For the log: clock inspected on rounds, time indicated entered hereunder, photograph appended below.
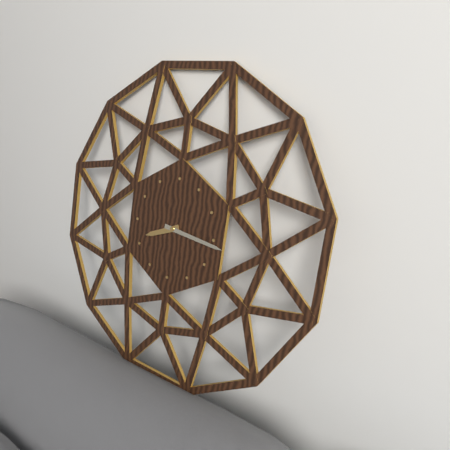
8:16
